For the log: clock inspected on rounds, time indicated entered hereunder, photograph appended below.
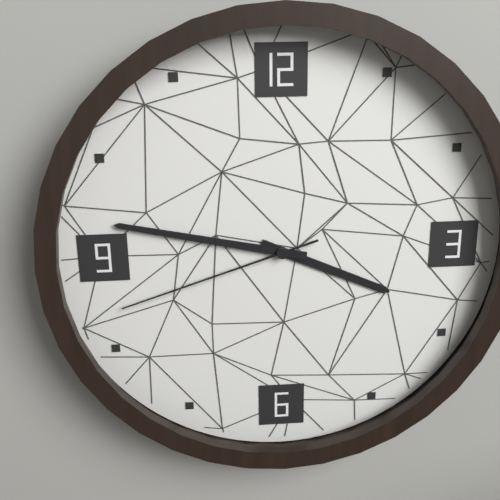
3:47:42
